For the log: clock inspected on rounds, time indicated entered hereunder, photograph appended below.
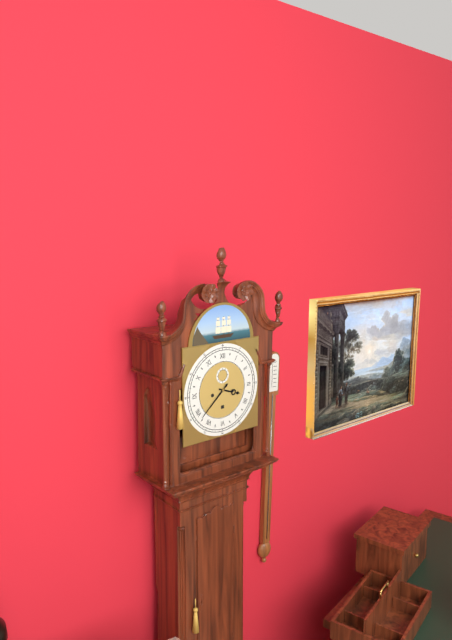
3:38
